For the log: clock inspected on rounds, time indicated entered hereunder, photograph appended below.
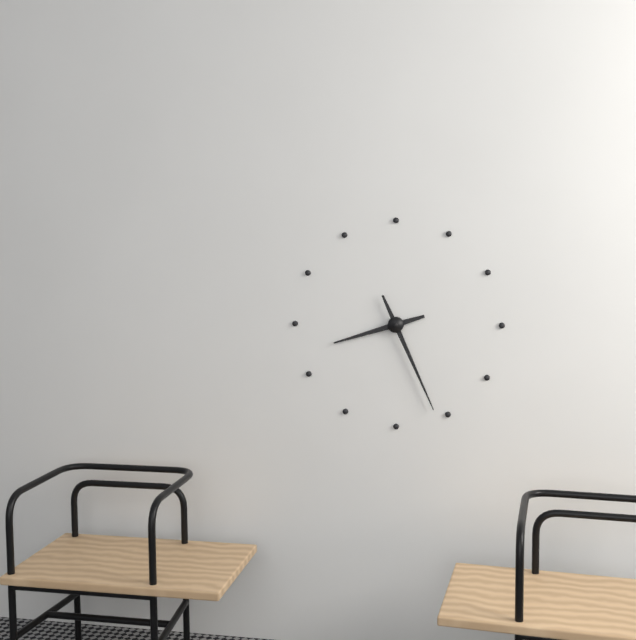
8:26
